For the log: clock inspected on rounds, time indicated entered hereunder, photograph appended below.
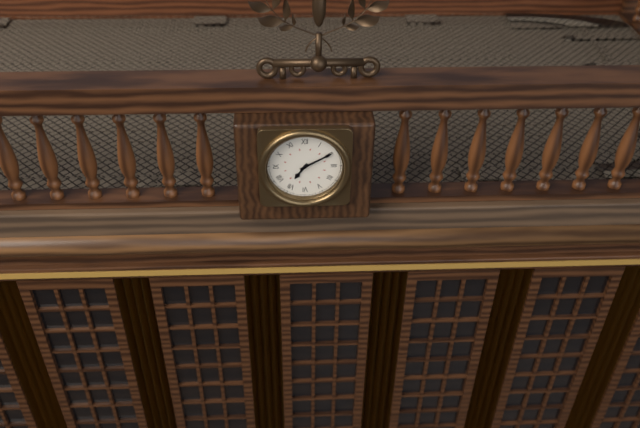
7:10
